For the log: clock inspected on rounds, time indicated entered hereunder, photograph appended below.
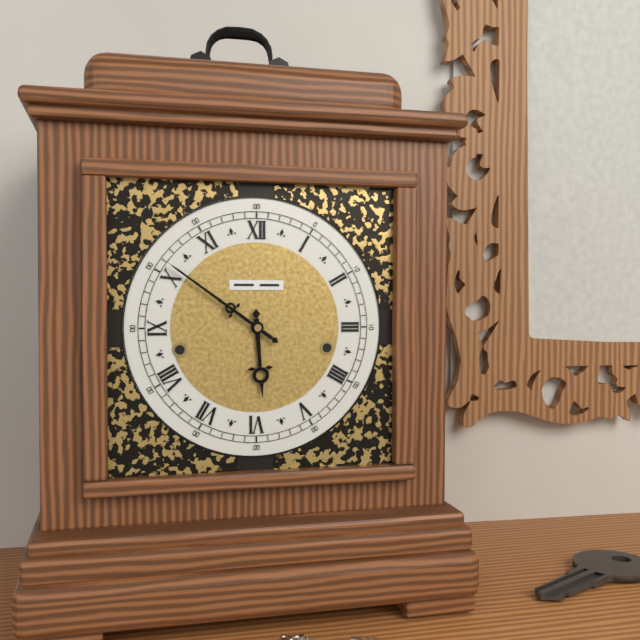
5:51
